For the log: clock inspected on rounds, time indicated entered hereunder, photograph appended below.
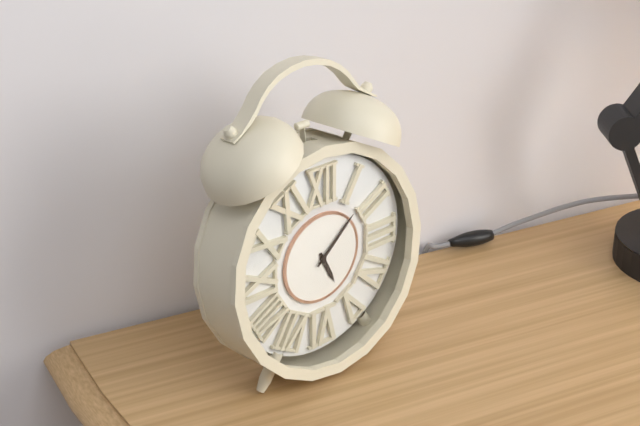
5:08
